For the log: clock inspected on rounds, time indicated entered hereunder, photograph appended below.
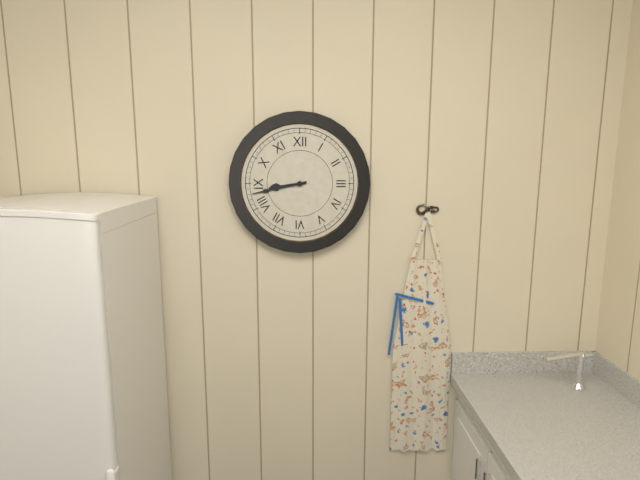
8:43
